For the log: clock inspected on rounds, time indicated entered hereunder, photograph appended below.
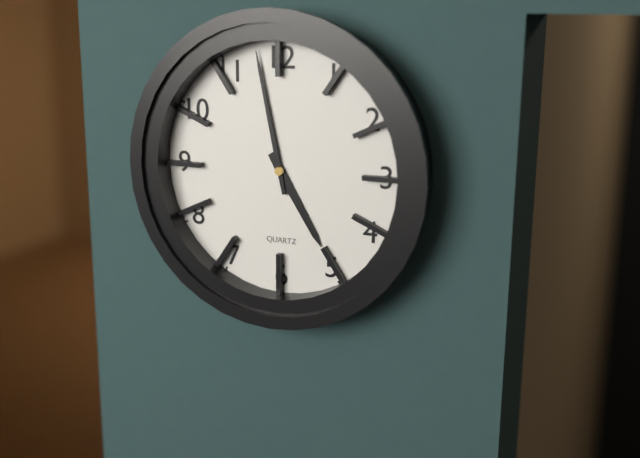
4:58
